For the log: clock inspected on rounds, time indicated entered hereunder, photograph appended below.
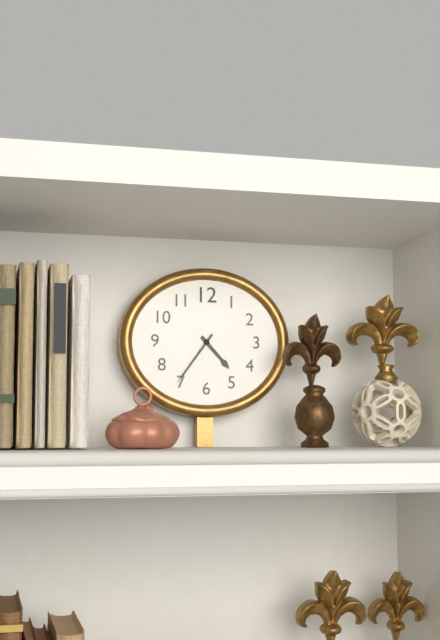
4:36
